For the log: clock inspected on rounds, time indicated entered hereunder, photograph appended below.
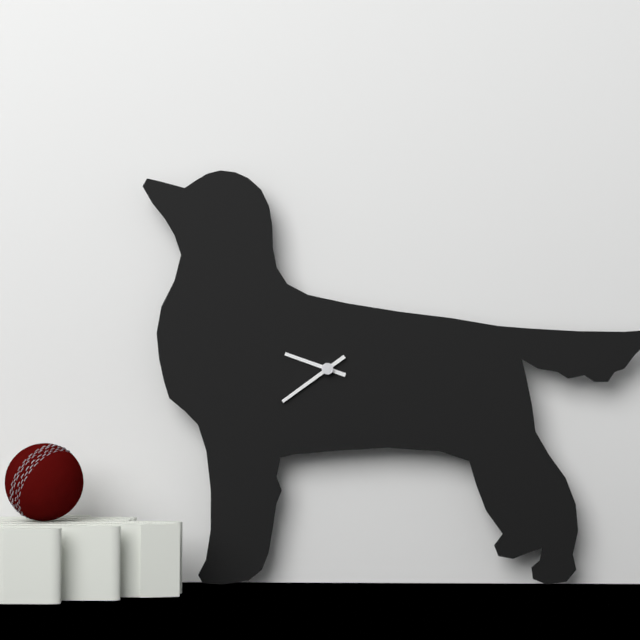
9:39
